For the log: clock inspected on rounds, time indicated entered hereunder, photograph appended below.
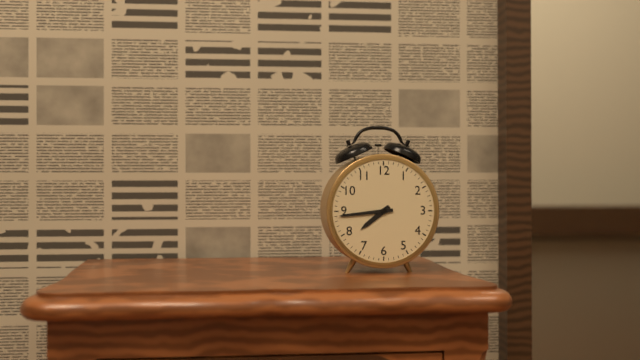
7:44
